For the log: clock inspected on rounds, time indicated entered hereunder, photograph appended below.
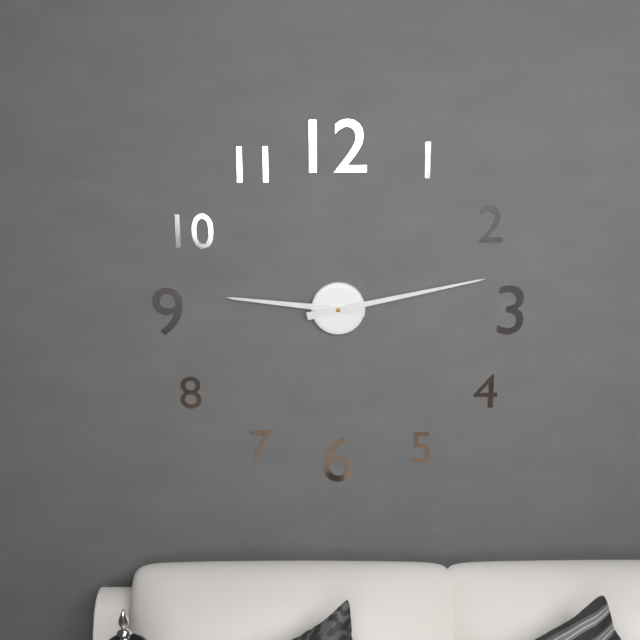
9:13
